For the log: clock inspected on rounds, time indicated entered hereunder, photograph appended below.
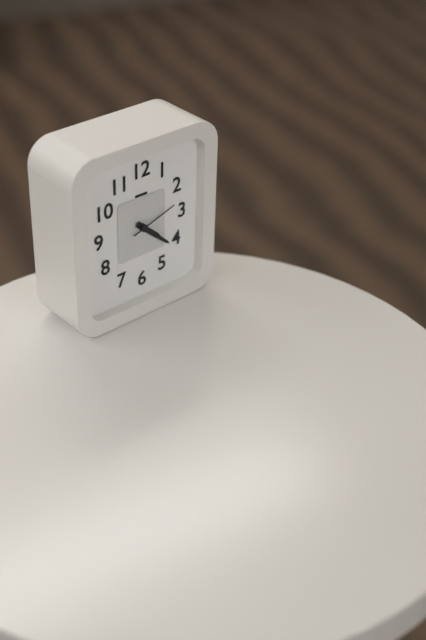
4:22
